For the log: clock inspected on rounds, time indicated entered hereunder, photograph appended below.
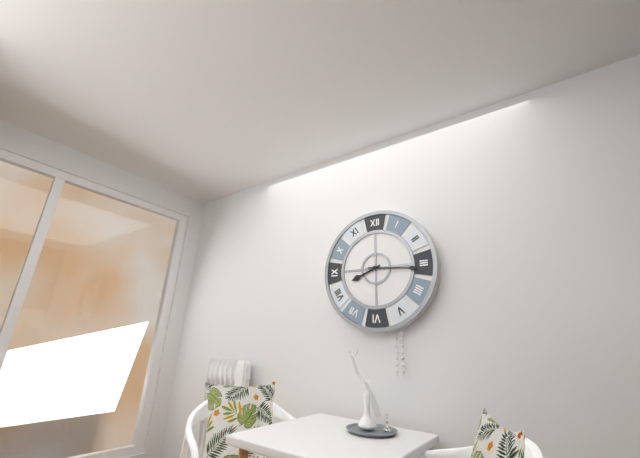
8:16
